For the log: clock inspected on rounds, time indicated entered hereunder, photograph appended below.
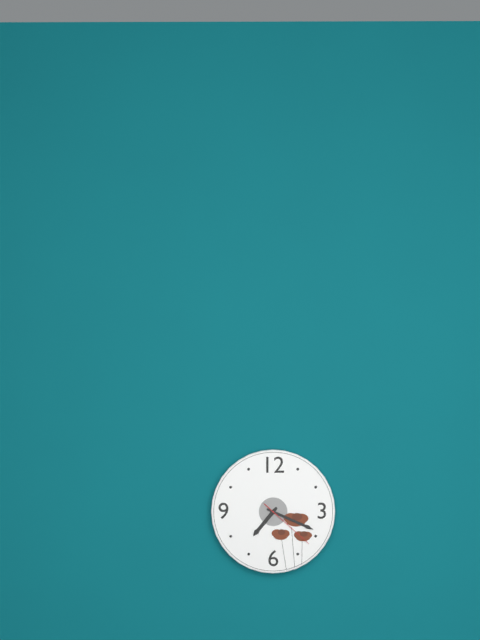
7:19:22
